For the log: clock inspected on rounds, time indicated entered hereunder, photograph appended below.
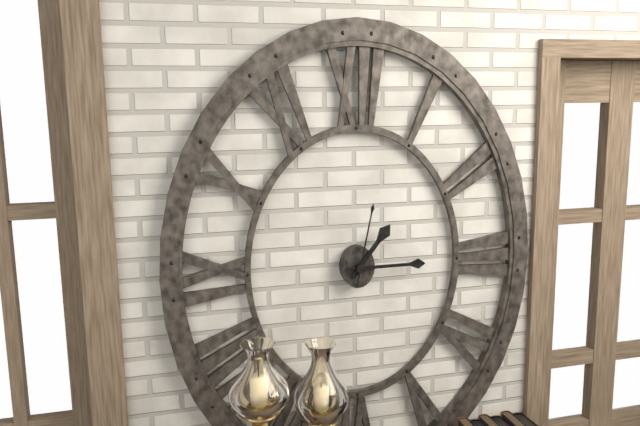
1:15:02
